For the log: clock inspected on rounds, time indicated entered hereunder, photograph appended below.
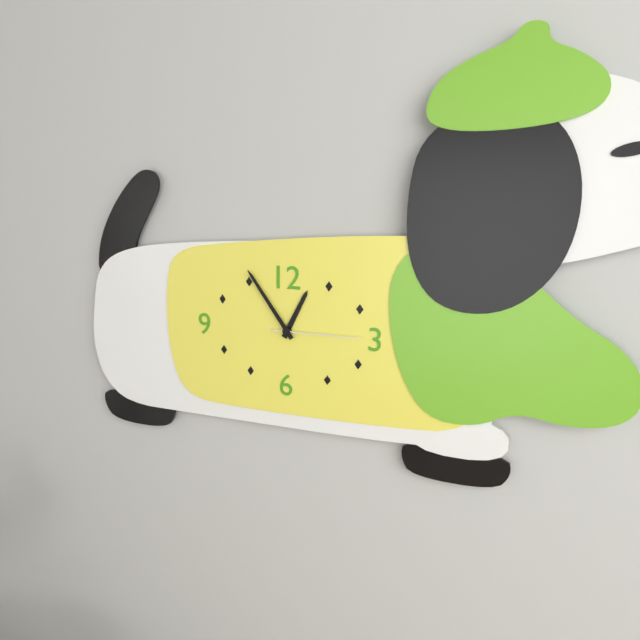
12:54:15
